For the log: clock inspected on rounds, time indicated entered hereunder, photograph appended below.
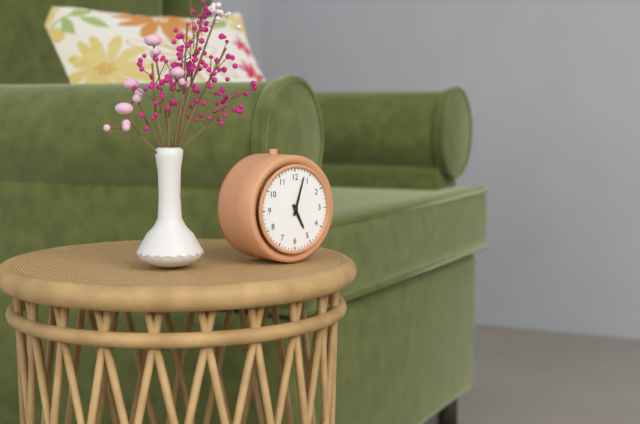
5:03
